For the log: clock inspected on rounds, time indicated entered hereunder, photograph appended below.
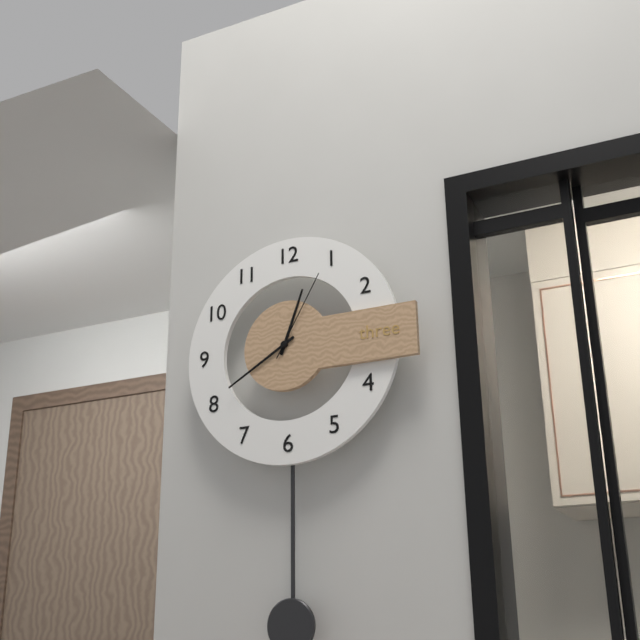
12:40:05
